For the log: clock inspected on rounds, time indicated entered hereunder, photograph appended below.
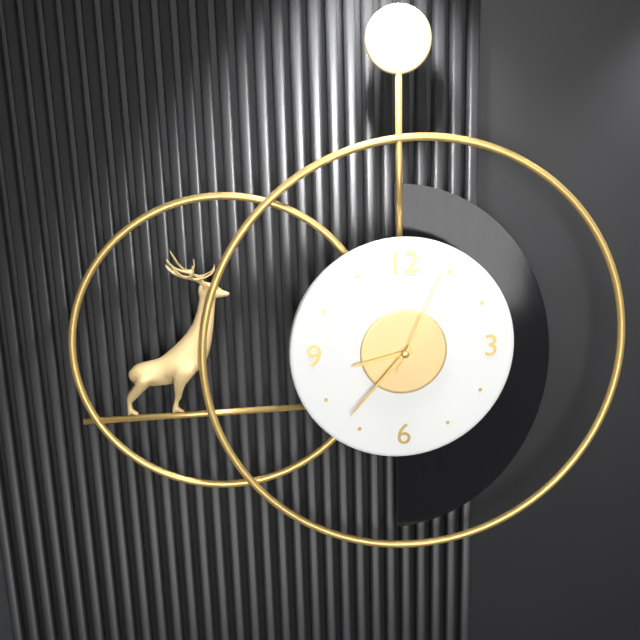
8:37:04
